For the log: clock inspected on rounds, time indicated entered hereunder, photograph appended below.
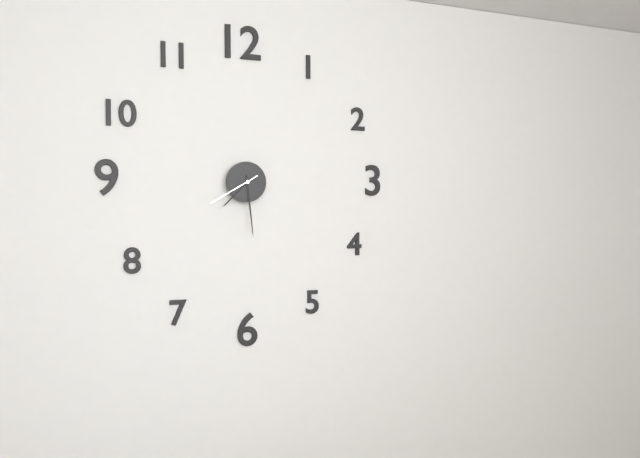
7:29:40
